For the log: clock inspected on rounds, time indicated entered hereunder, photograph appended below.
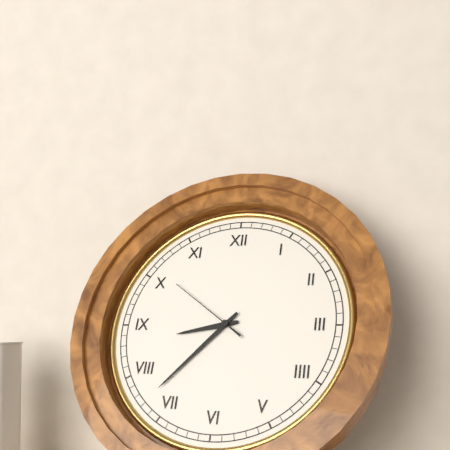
8:37:51
